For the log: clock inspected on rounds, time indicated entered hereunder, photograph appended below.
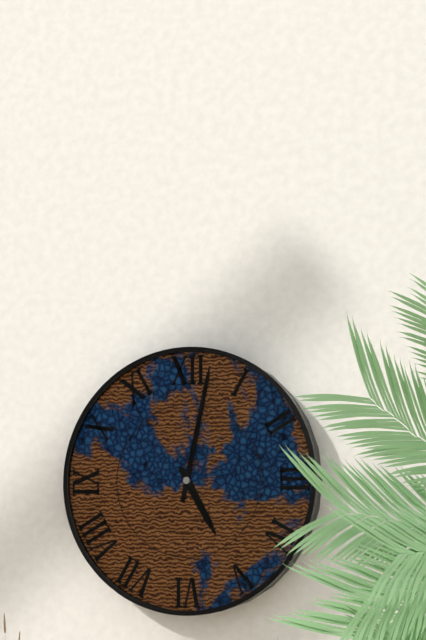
5:02
